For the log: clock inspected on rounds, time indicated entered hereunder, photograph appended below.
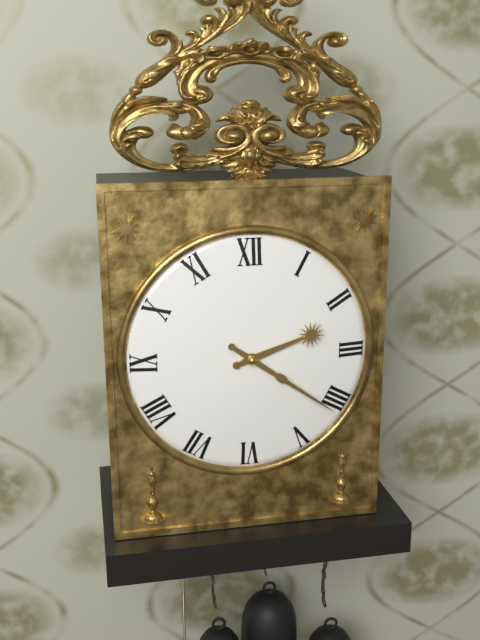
2:21
